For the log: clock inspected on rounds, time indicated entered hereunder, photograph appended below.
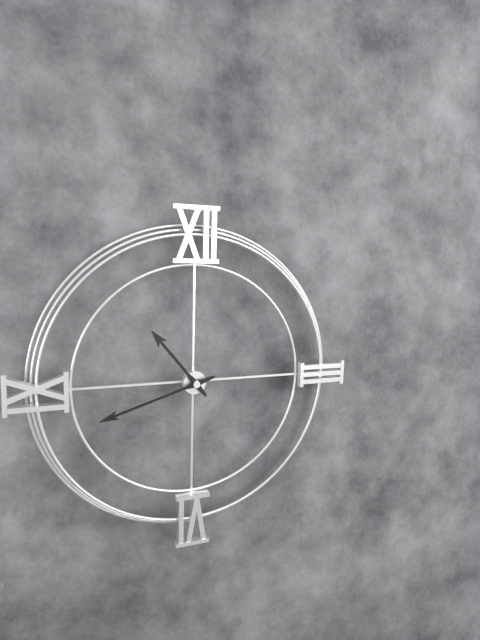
10:42
